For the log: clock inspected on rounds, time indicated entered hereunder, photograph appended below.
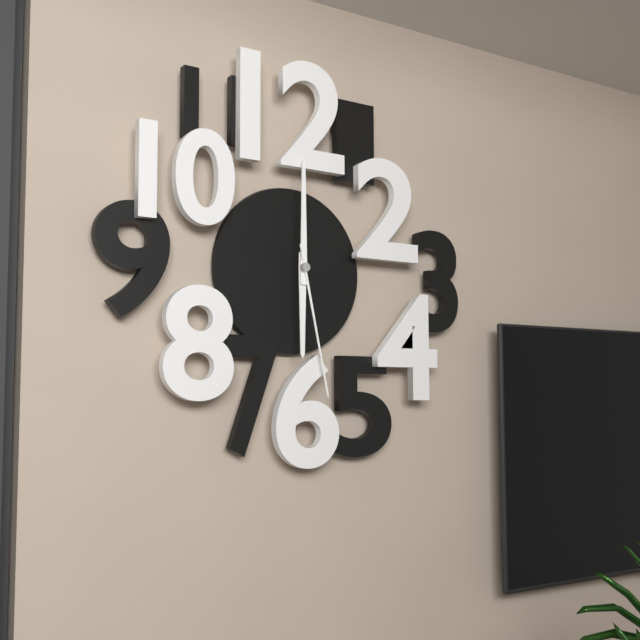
6:00:28
